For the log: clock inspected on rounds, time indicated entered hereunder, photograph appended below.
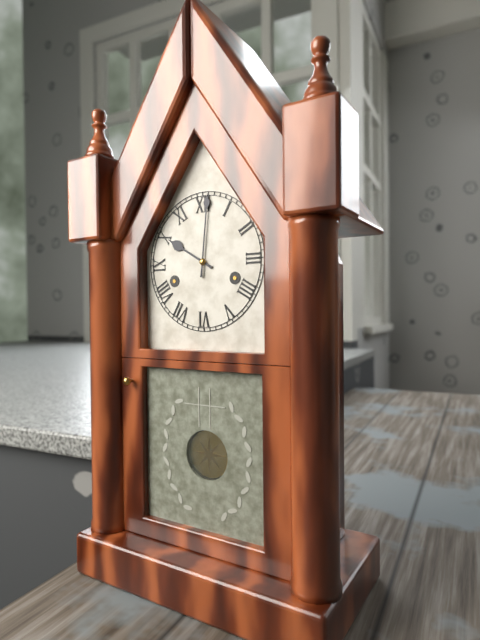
10:01
